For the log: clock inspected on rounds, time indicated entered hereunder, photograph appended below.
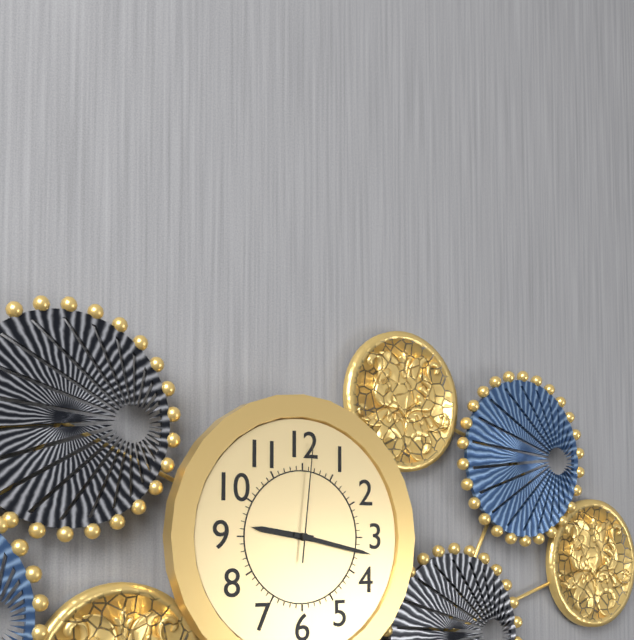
9:17:01
